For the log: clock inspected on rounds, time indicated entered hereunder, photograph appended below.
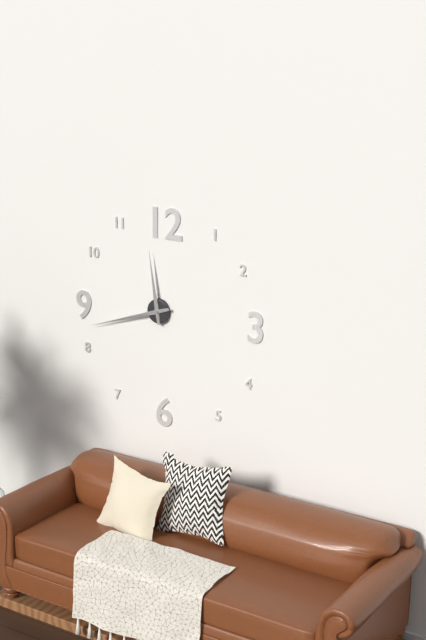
11:42
